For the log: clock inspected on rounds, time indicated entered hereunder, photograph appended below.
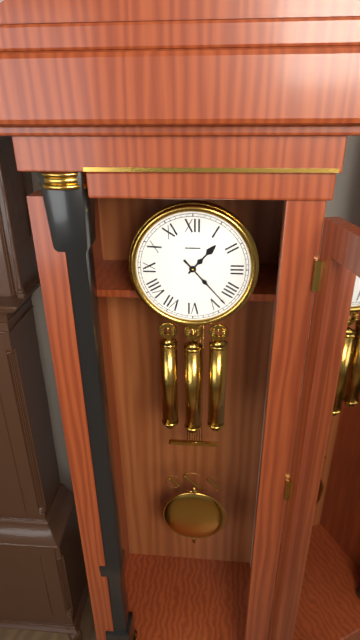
1:23
